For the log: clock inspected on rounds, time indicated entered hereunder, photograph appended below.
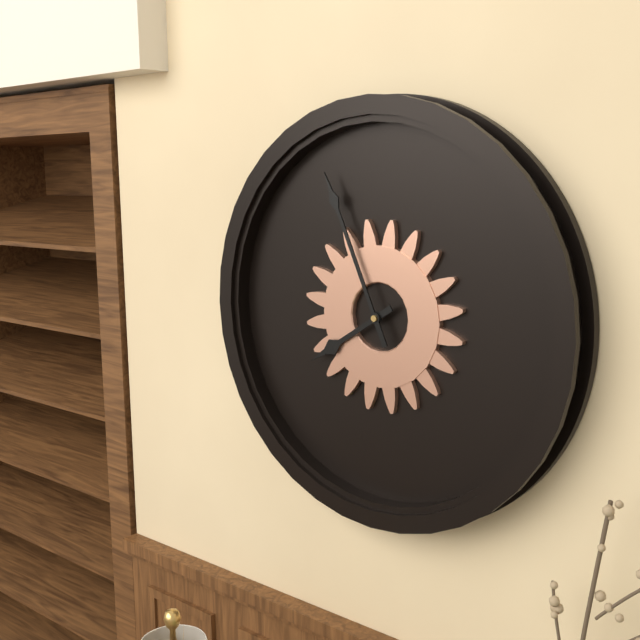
7:56
